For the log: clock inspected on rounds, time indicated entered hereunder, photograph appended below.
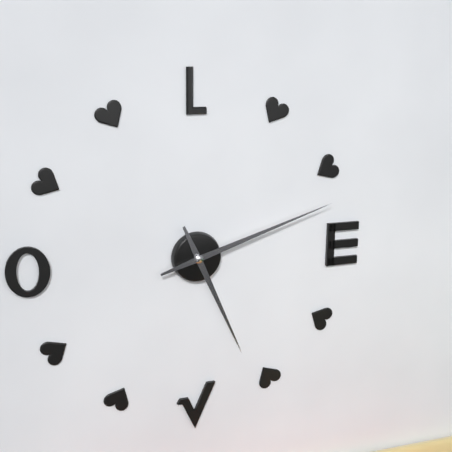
5:12
